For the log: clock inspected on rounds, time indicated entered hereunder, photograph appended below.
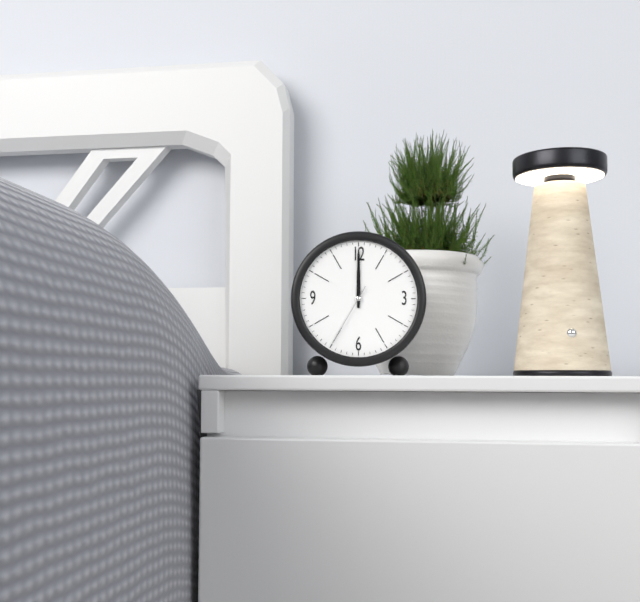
12:00:35
